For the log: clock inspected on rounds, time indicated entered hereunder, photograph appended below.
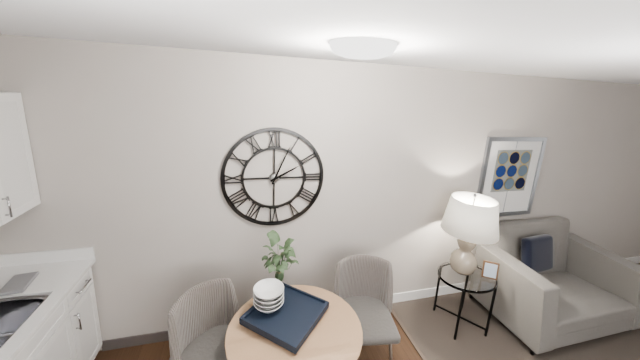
2:04
